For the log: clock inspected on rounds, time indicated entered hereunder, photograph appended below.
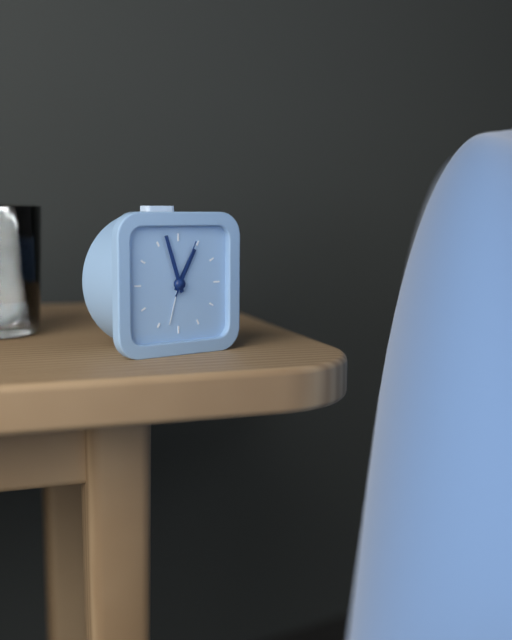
12:57:04
